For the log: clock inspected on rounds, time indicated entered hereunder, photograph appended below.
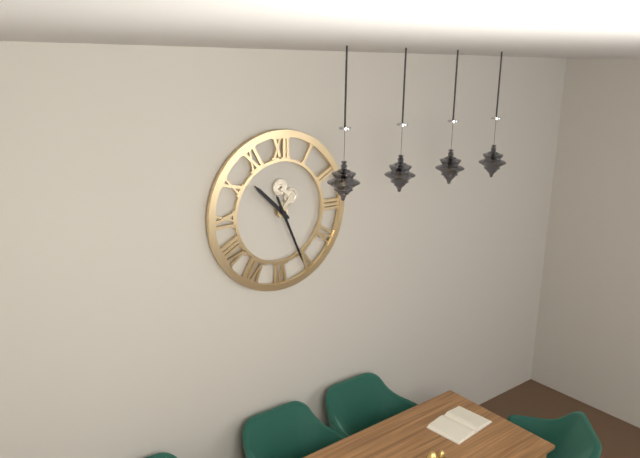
10:26
